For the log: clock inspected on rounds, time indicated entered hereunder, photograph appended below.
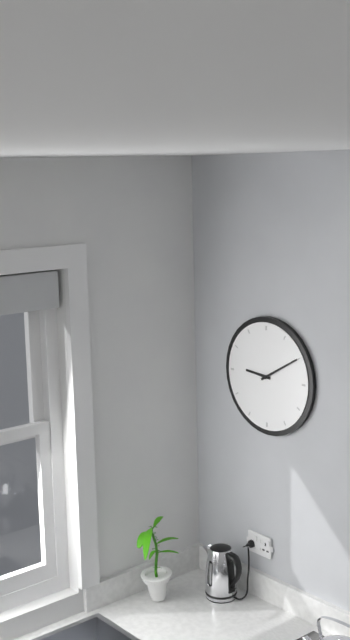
9:10
